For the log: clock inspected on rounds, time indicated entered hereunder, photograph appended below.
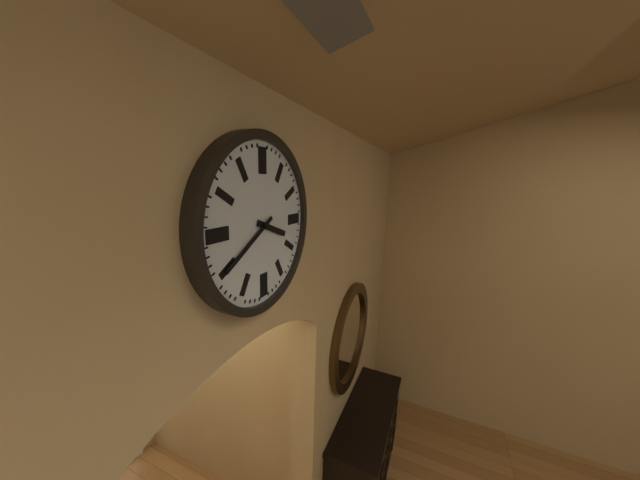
3:40
